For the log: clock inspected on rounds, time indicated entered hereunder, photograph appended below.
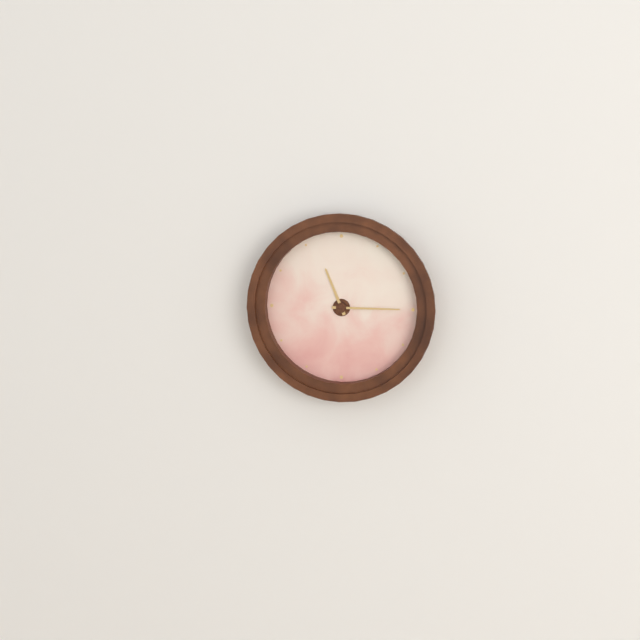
11:15
